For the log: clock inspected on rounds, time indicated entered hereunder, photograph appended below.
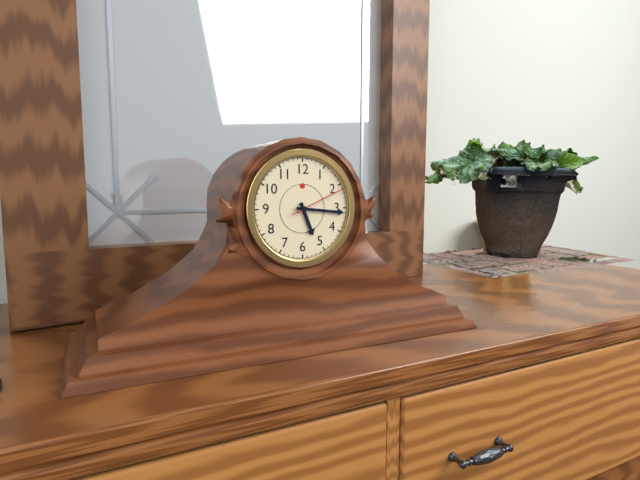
5:16:11
